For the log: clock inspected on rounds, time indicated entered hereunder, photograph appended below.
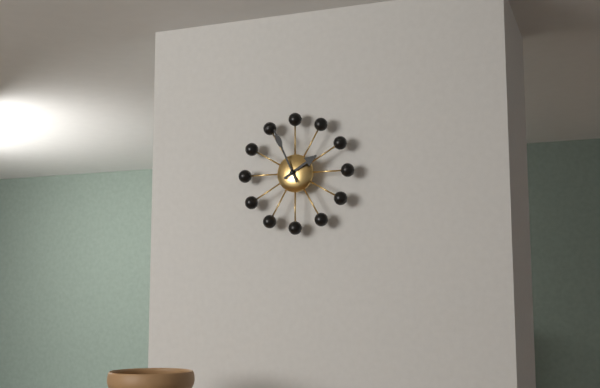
1:56
